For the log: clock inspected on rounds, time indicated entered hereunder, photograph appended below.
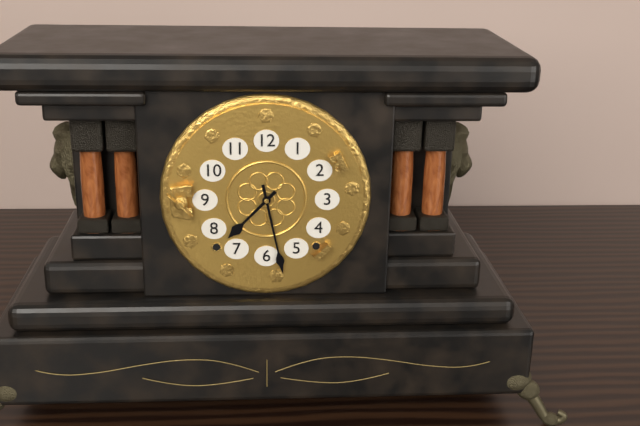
7:28
